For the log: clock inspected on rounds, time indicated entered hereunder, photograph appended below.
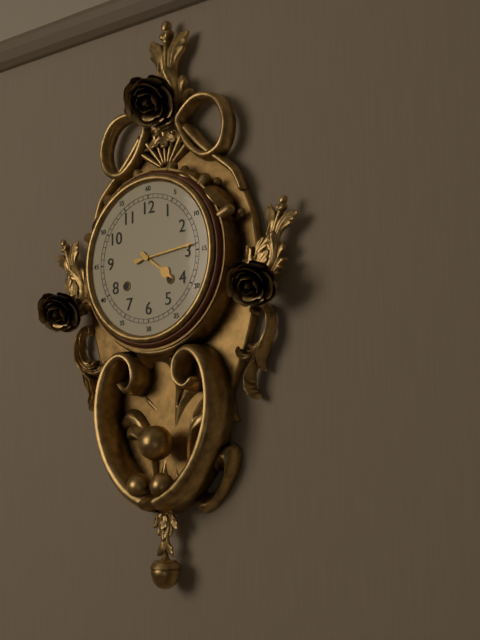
4:14
